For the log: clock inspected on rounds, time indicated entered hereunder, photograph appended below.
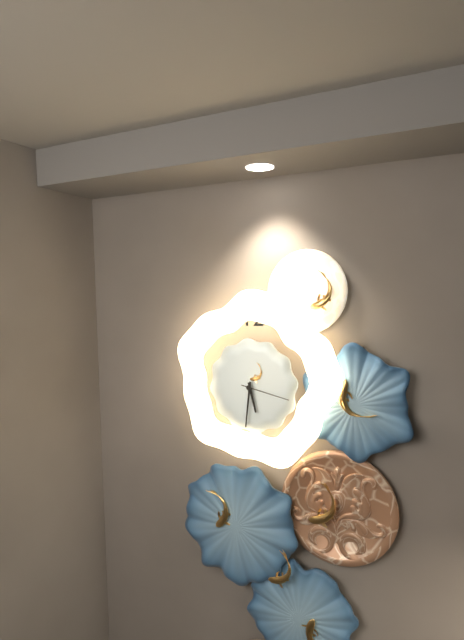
5:31:17
